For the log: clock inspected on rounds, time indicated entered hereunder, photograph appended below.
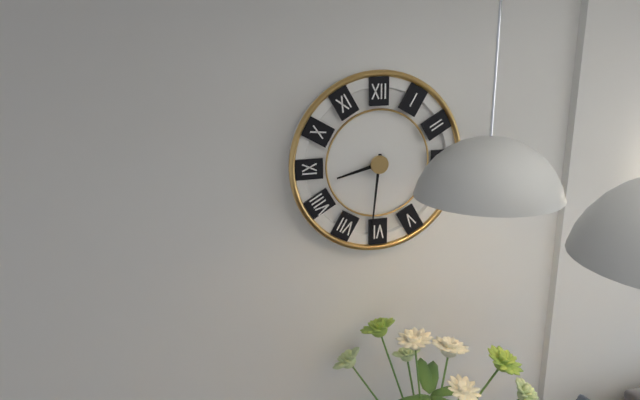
8:31
